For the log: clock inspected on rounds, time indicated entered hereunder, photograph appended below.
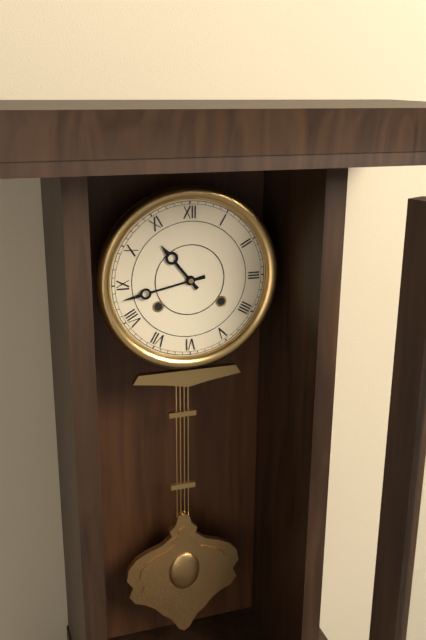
10:43
